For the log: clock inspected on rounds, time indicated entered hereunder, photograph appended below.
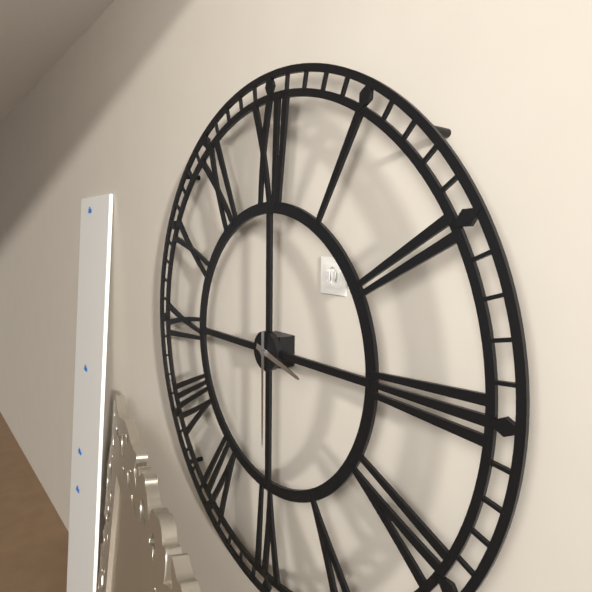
3:30
